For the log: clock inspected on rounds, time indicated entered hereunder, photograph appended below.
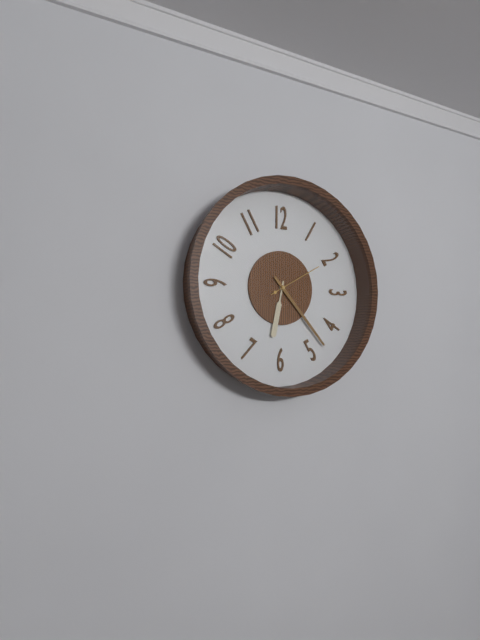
6:23:10
